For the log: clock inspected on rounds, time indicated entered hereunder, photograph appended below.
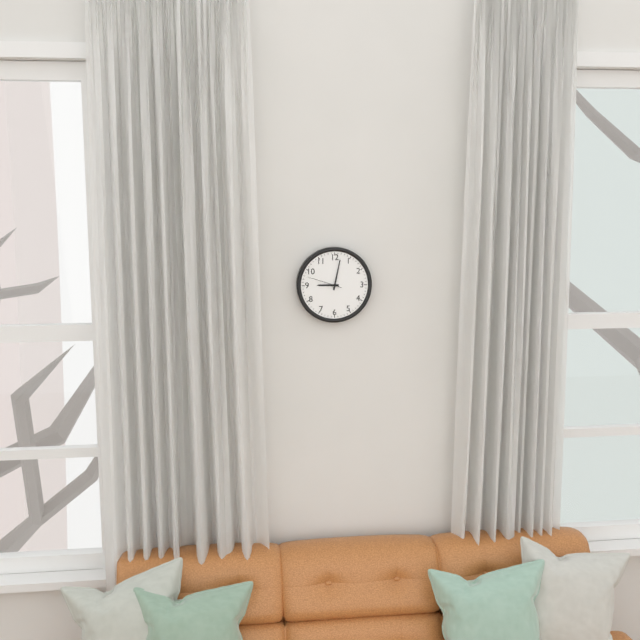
9:02
